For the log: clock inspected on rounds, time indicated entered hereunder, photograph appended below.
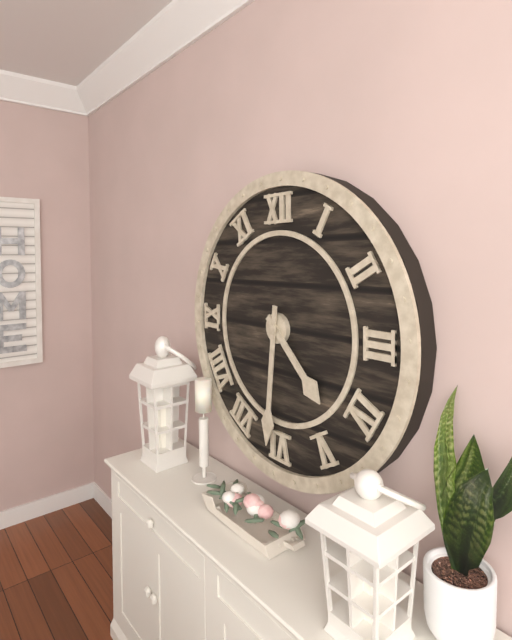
4:31
